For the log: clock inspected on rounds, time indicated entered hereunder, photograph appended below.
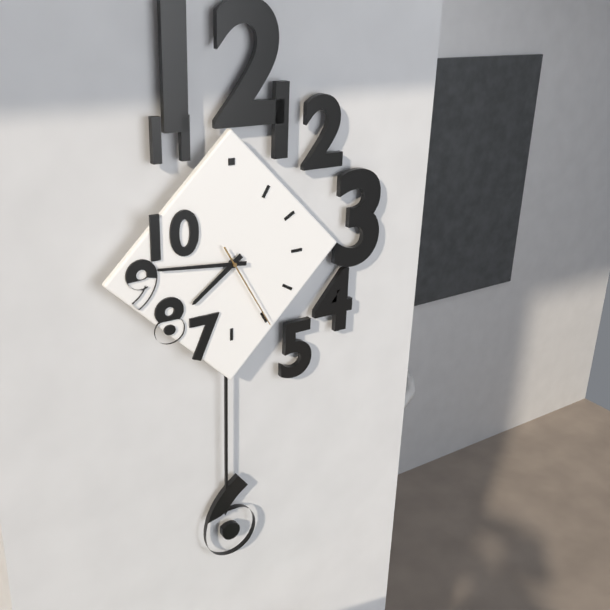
7:46:25
